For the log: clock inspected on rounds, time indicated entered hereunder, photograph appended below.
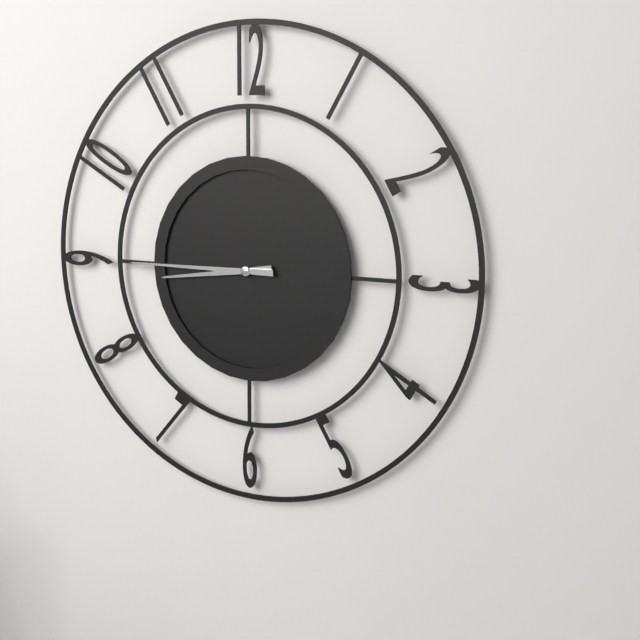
8:45
